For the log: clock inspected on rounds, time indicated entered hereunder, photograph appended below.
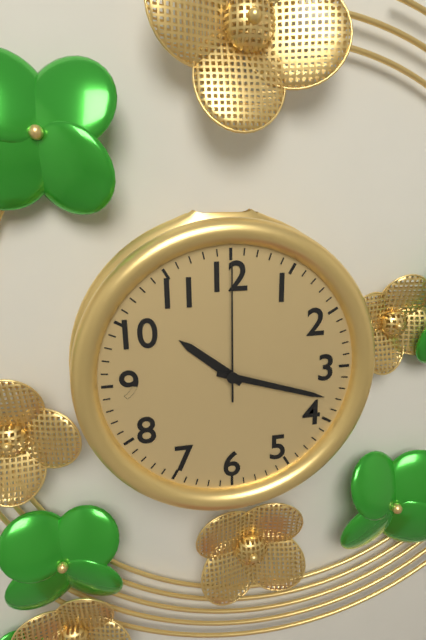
10:18:00
